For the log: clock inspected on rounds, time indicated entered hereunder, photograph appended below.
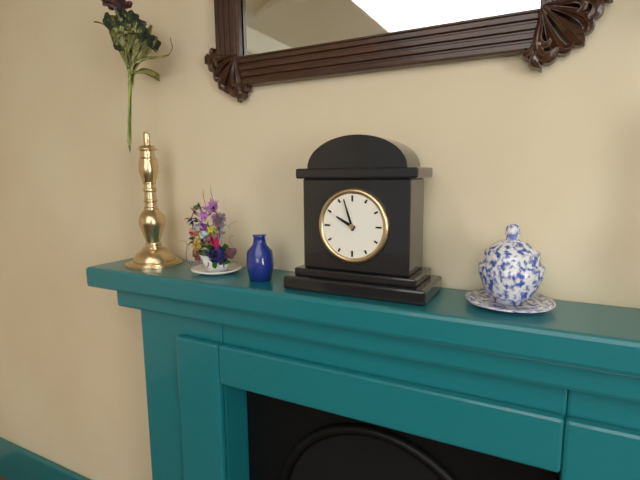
9:57
